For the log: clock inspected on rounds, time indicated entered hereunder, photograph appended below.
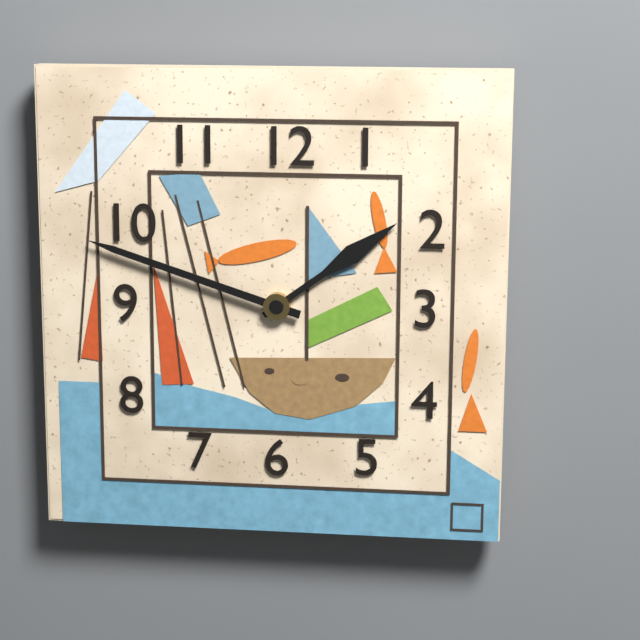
1:48
